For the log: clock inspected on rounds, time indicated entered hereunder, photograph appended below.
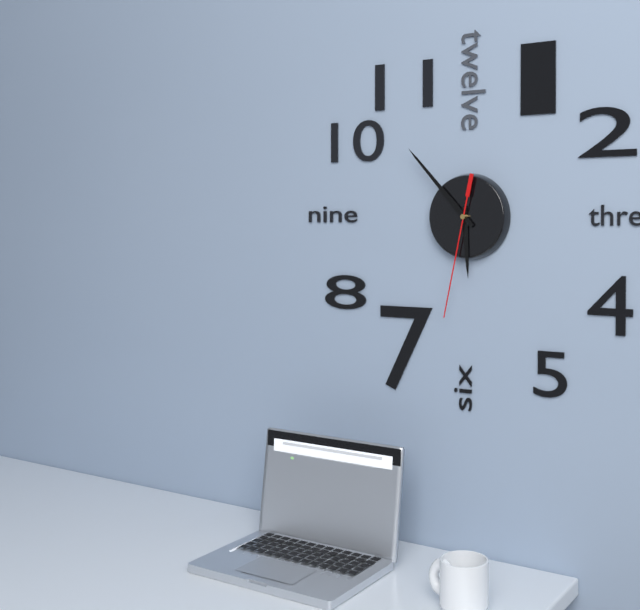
5:53:32
